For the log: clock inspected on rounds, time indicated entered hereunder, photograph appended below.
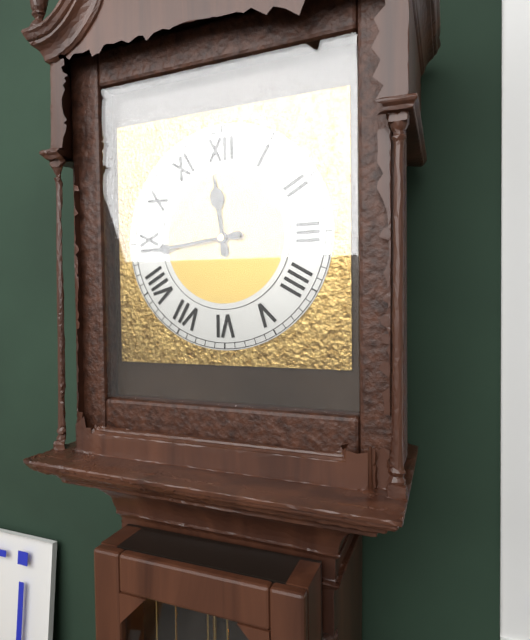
11:44
